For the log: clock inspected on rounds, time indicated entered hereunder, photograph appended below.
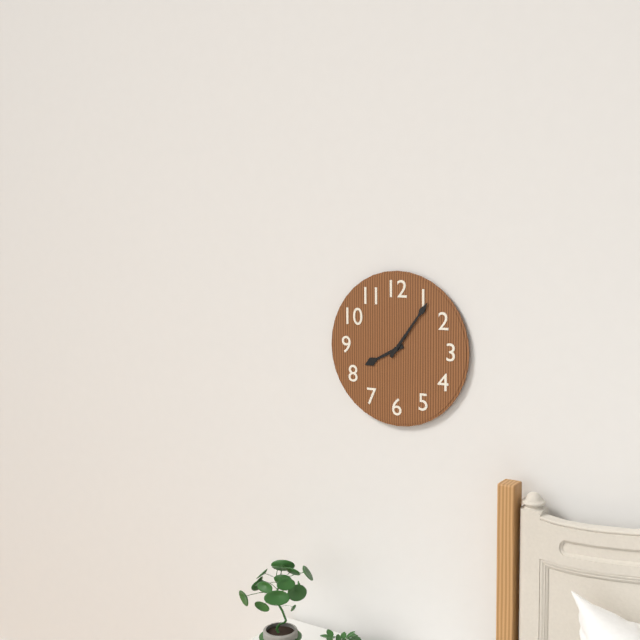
8:06
